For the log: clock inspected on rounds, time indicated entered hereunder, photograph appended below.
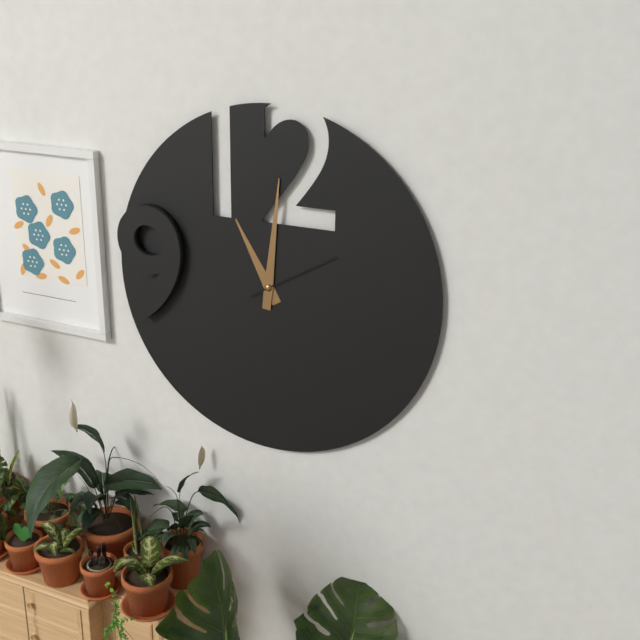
11:01:10
